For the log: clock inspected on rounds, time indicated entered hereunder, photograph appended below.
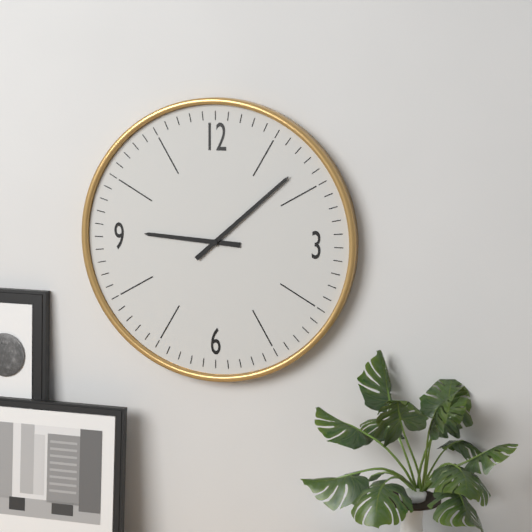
9:08
